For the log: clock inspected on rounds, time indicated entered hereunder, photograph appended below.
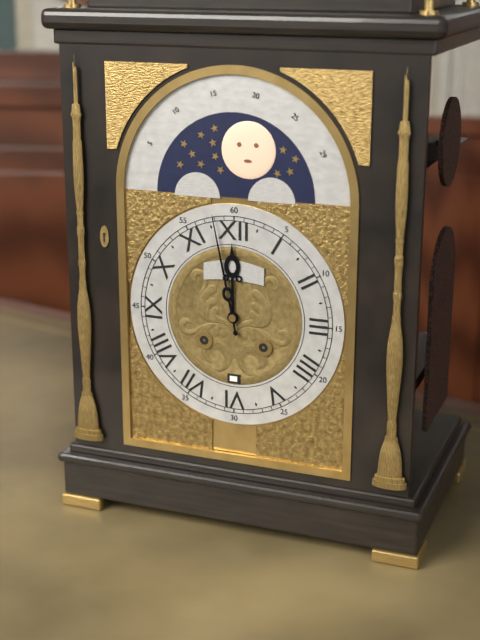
11:58
